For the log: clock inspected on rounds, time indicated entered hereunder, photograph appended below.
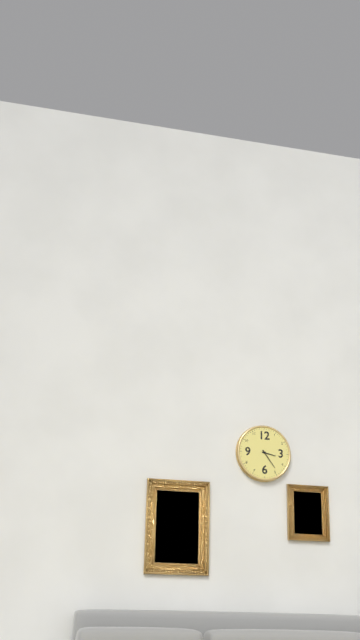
3:24
